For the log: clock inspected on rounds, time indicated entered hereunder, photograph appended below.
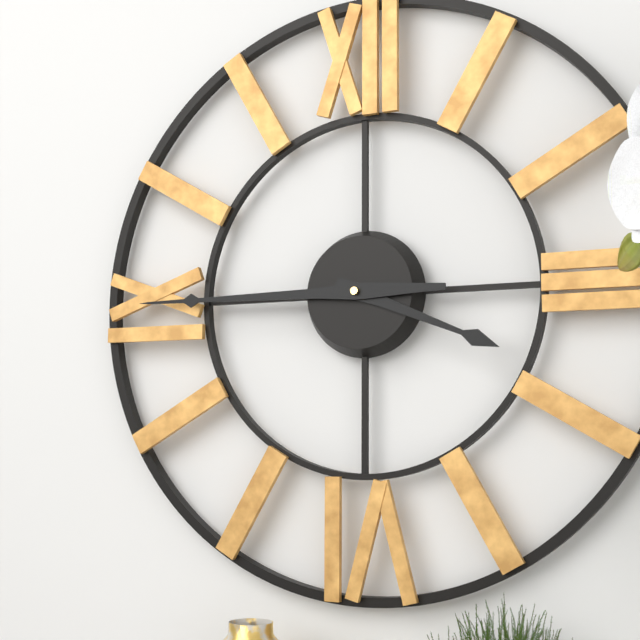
3:45
